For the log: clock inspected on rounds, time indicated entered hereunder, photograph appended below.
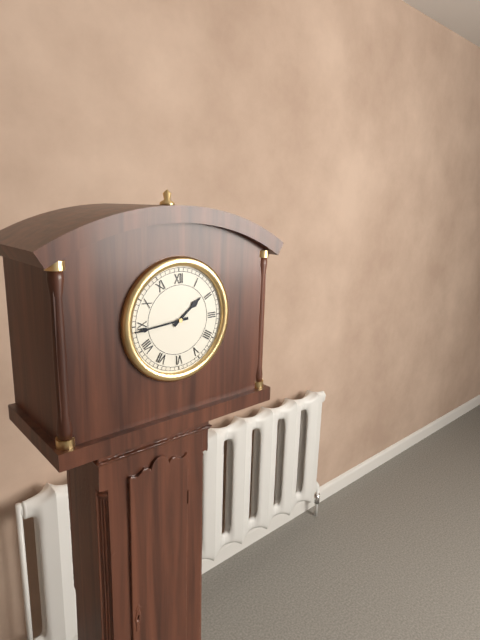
1:44
